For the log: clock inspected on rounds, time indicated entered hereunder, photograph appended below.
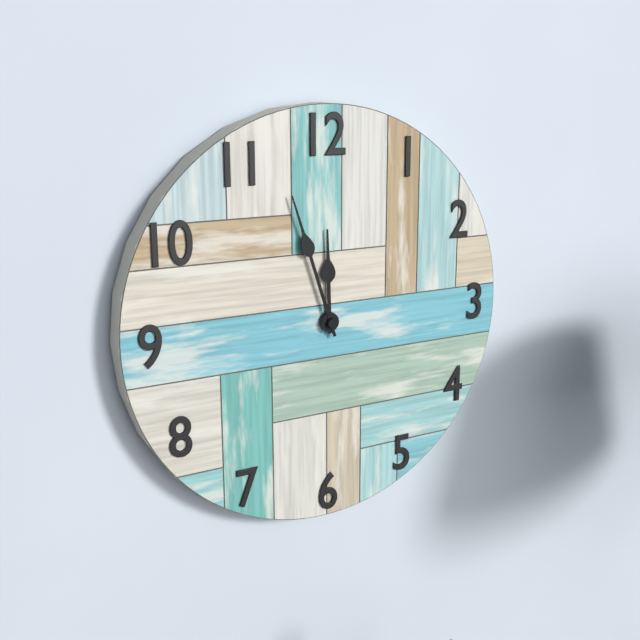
11:57
